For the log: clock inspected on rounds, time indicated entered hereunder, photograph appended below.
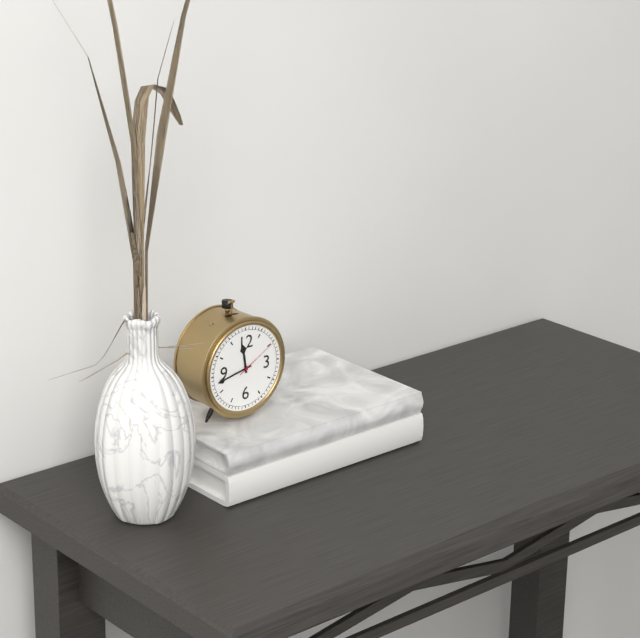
11:43
